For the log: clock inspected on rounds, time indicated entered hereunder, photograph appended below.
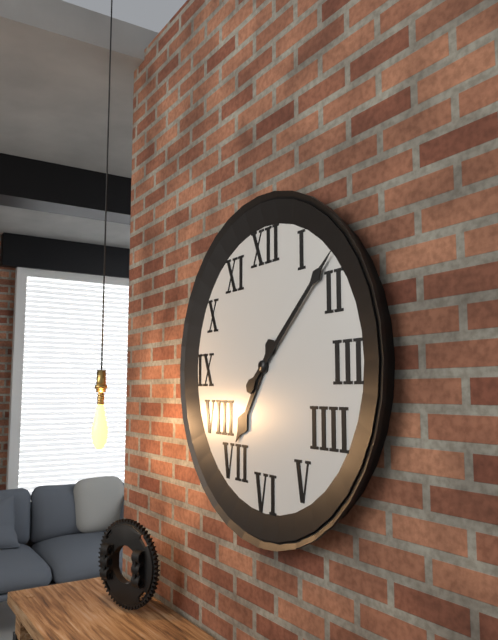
7:08
